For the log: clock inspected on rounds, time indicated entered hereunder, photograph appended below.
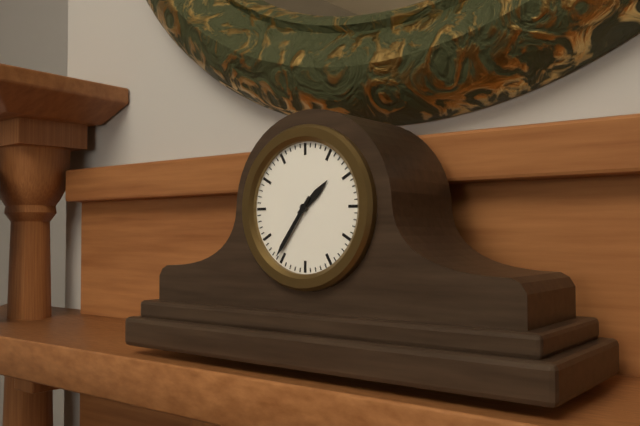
1:36
